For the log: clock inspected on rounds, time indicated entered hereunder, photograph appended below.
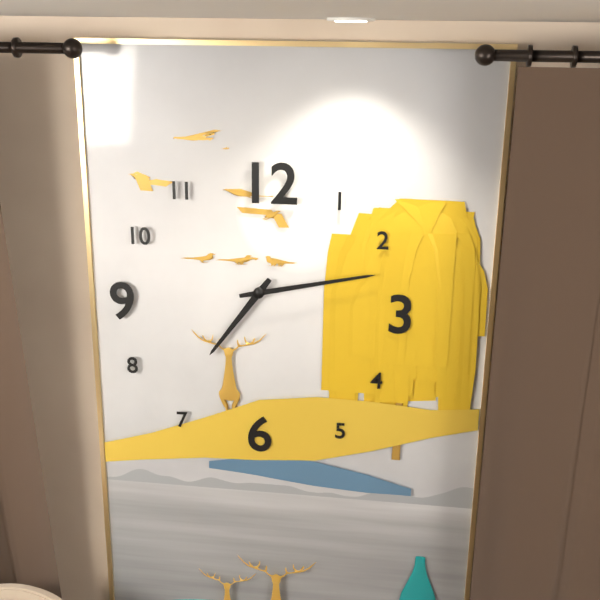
7:13
